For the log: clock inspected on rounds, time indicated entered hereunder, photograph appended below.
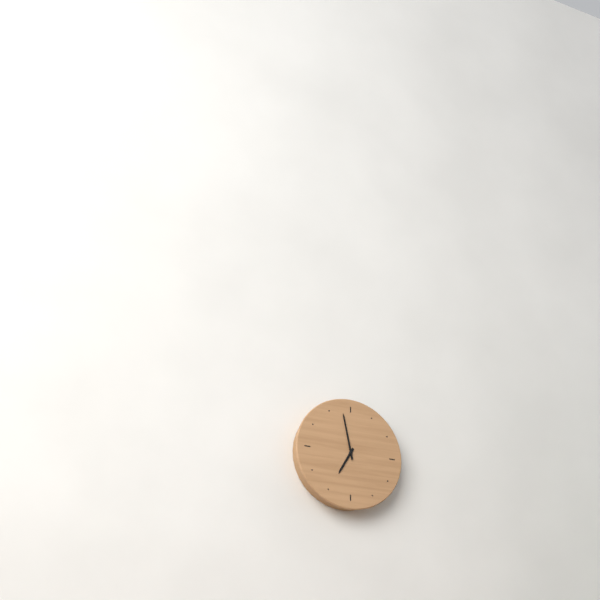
6:58
